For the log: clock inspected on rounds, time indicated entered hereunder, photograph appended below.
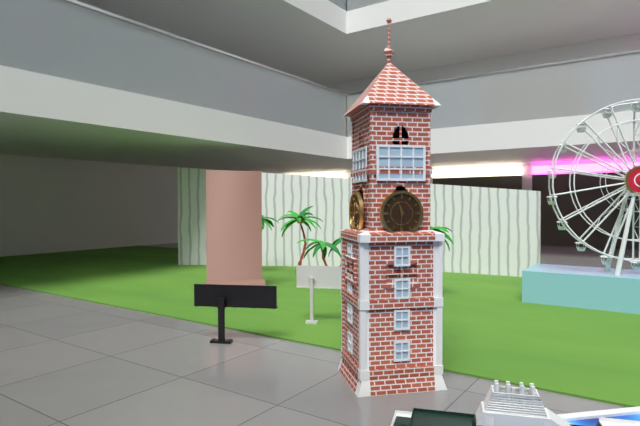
11:31
